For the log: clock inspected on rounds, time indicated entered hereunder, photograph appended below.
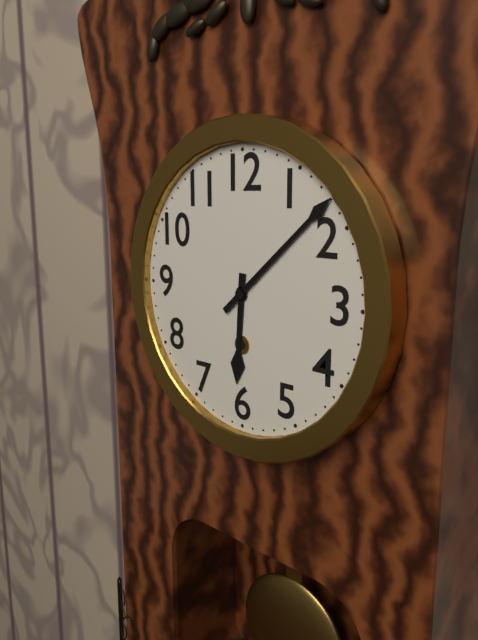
6:08
